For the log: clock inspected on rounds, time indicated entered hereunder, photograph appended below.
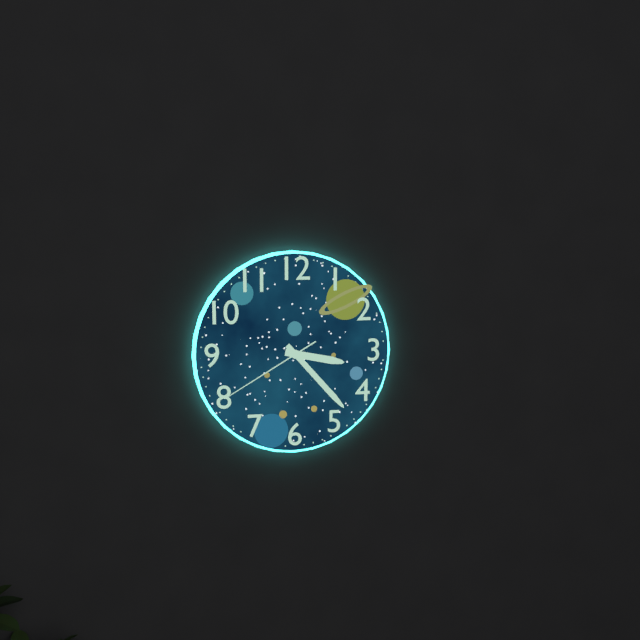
3:23:40
